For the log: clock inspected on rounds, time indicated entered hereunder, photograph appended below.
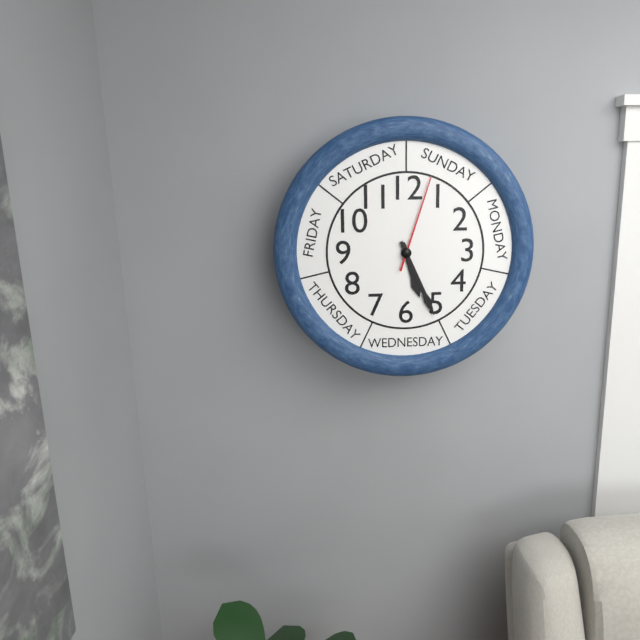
5:26:03
